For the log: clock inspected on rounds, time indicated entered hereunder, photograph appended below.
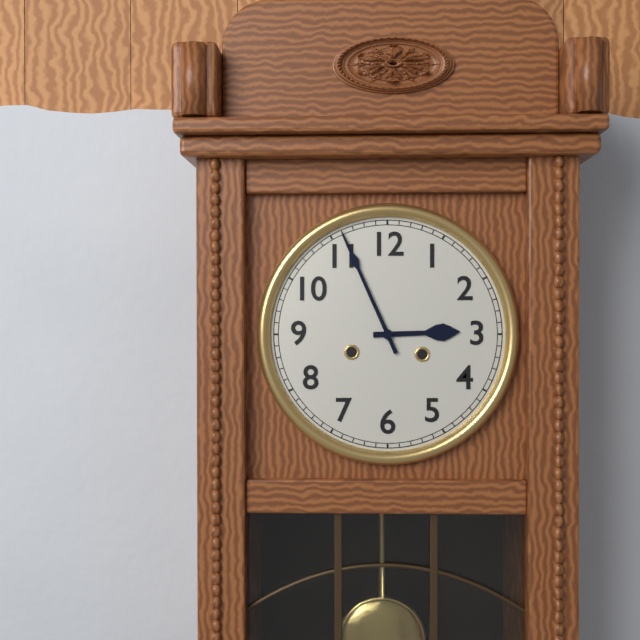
2:56
